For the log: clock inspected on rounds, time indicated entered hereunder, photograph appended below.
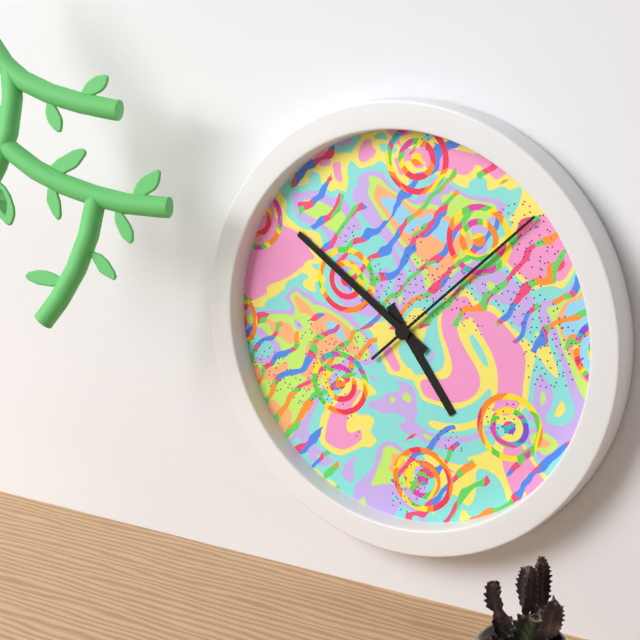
4:51:08
